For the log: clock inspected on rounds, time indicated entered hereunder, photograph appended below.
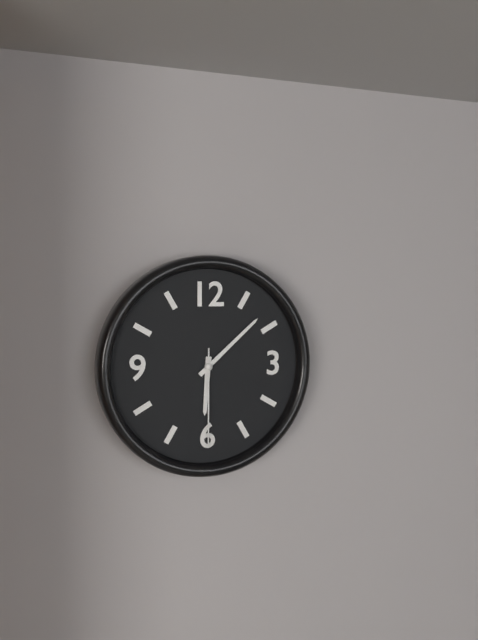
6:08:30
